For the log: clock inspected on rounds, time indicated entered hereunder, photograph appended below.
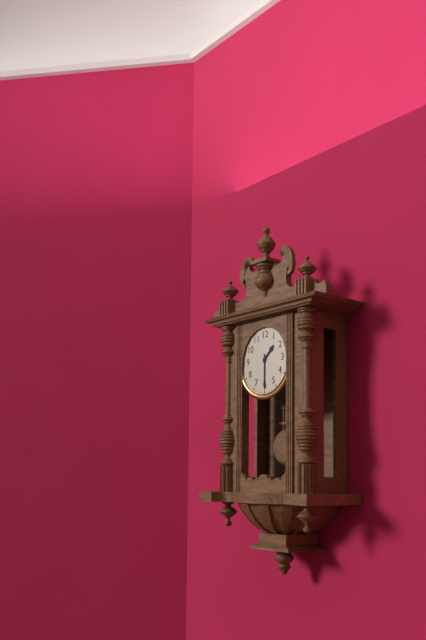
1:30
